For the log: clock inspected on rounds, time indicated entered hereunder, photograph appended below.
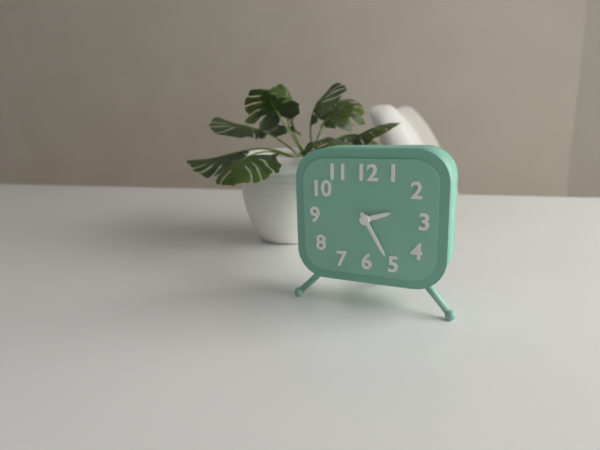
2:25
